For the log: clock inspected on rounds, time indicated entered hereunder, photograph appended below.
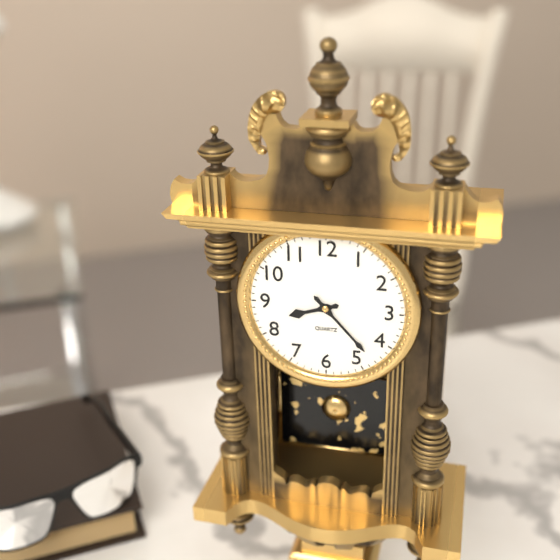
8:23
